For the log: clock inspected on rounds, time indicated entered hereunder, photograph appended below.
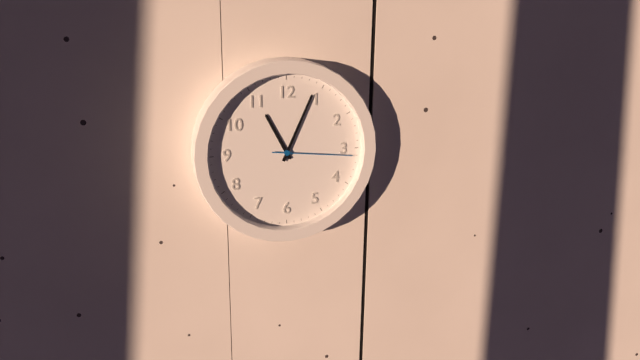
11:04:16
